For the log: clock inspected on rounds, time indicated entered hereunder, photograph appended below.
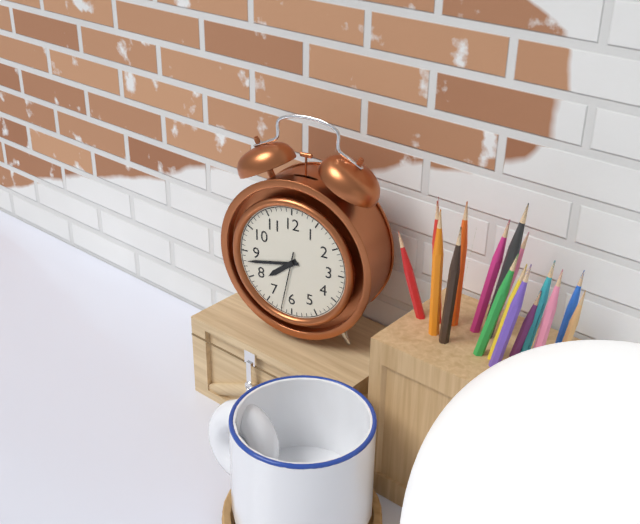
7:43:32
